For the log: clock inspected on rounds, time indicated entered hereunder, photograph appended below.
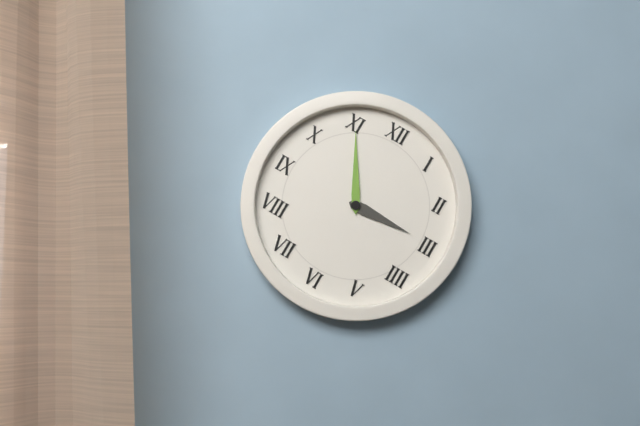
2:55
